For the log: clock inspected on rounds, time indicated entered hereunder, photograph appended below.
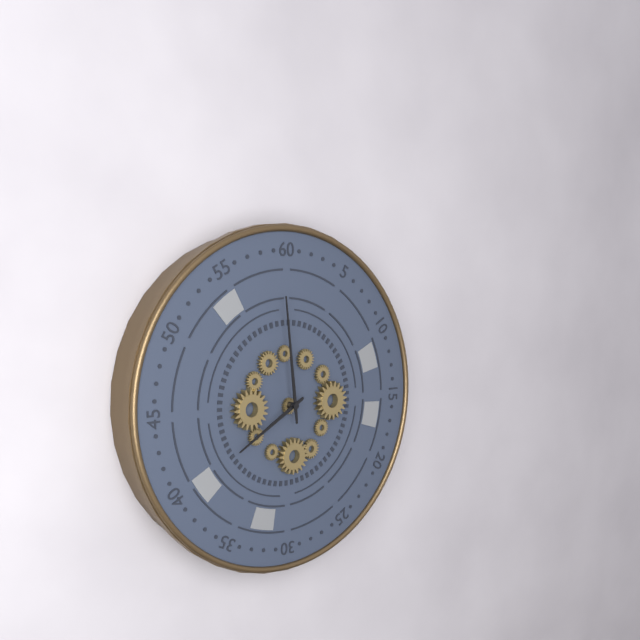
7:59
